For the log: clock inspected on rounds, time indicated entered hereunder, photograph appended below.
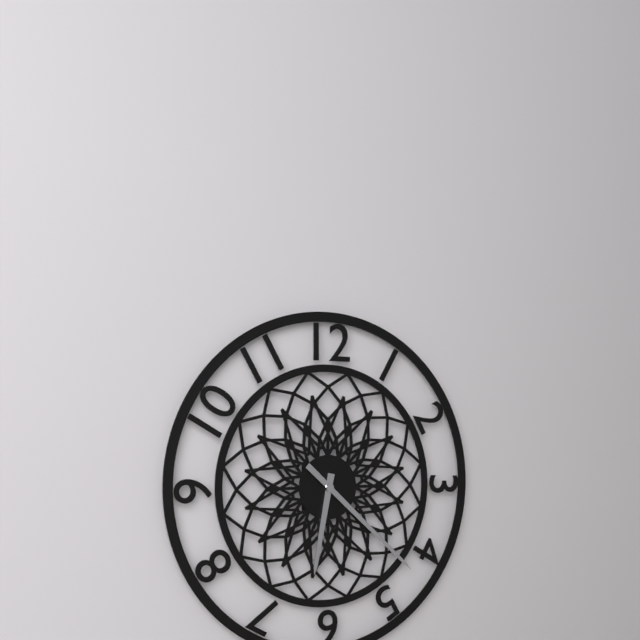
6:22
